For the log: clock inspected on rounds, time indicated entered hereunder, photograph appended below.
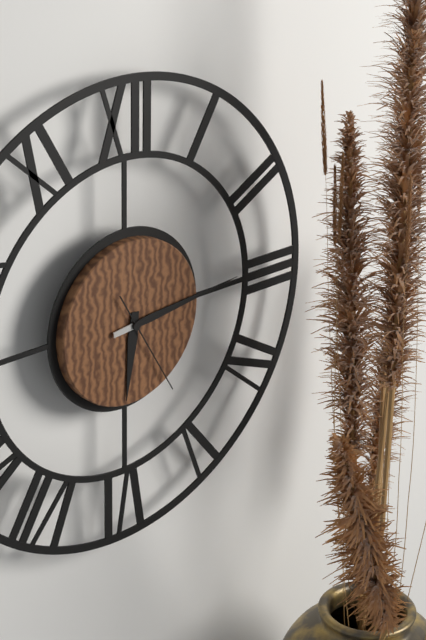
6:14:25
